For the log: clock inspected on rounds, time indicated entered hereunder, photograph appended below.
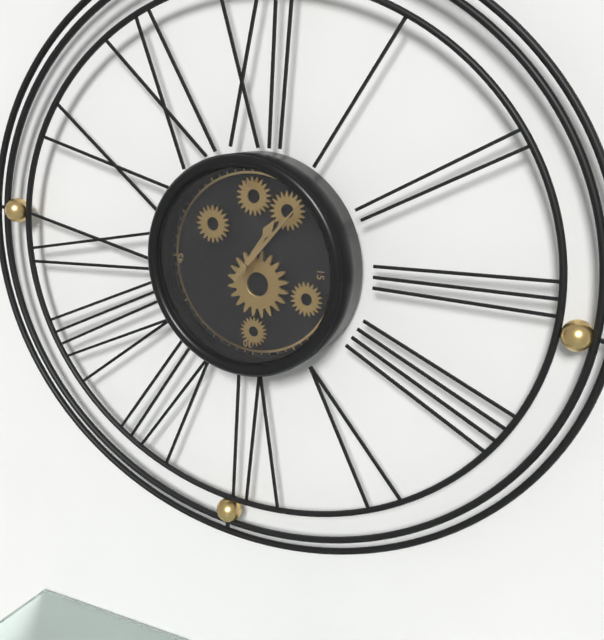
1:07
